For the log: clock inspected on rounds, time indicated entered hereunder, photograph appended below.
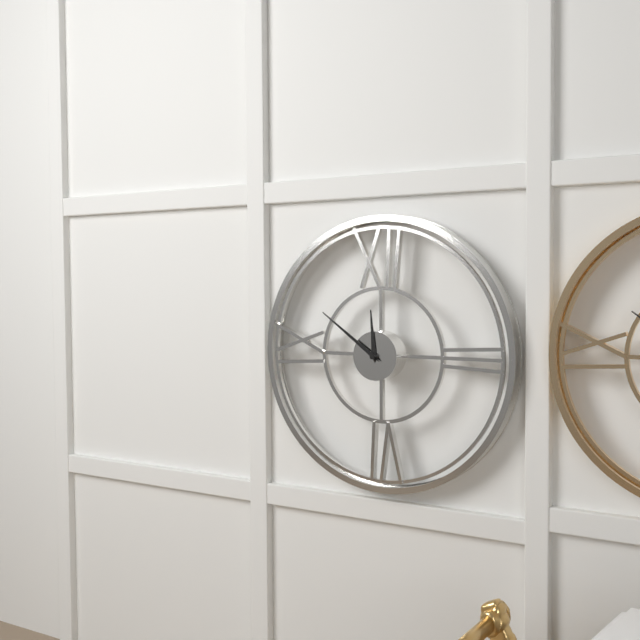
11:51
